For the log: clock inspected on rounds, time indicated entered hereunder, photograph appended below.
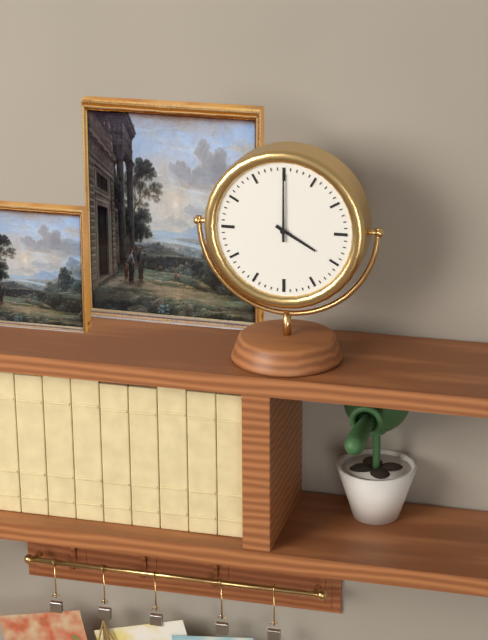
4:00
